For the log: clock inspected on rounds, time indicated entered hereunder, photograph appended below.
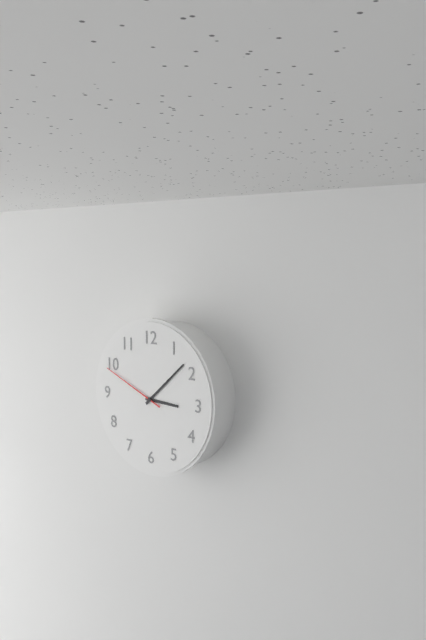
3:08:49
